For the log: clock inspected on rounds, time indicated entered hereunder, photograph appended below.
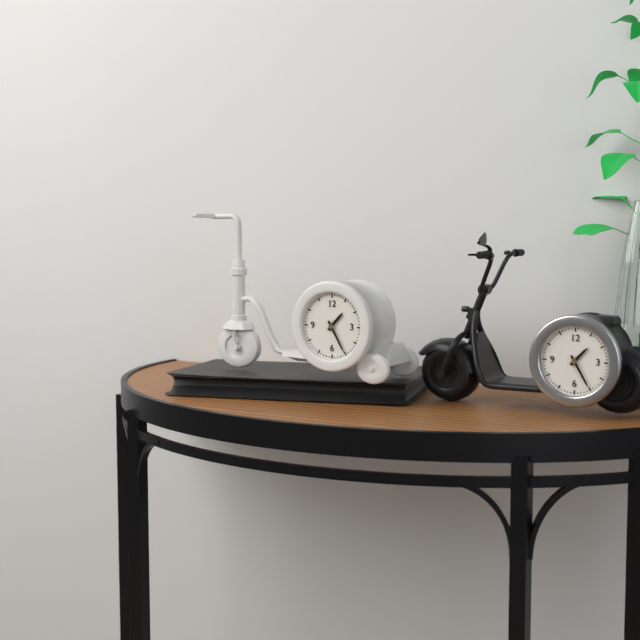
1:25
